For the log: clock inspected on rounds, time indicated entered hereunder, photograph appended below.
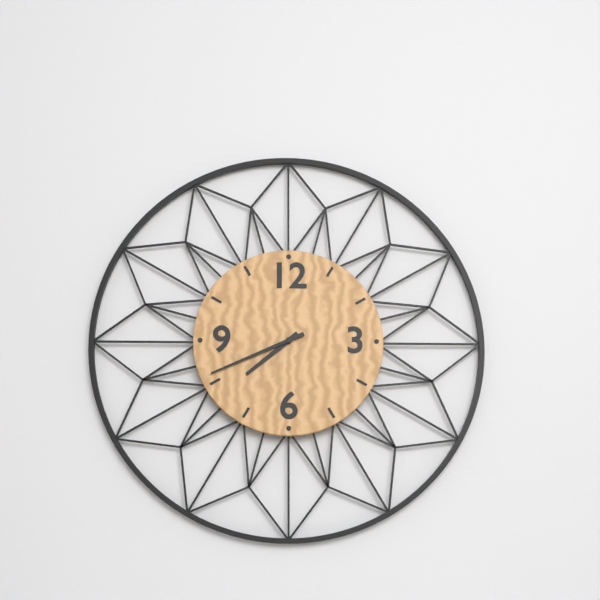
7:41
